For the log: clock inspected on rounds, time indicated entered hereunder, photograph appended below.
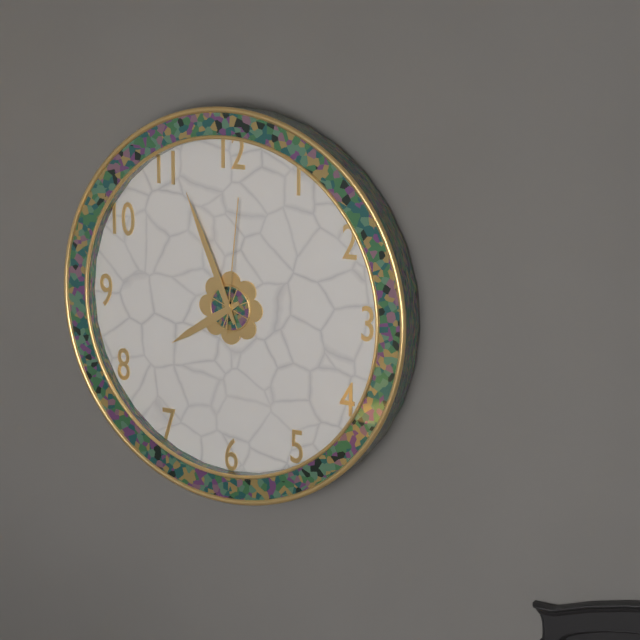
7:56:01
